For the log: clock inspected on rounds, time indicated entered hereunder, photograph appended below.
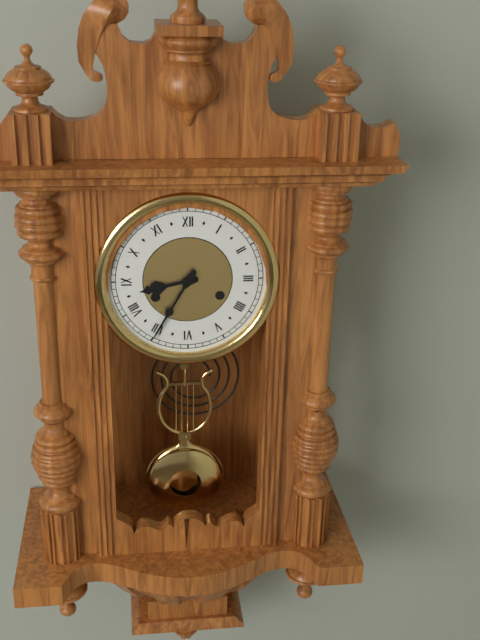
8:35
